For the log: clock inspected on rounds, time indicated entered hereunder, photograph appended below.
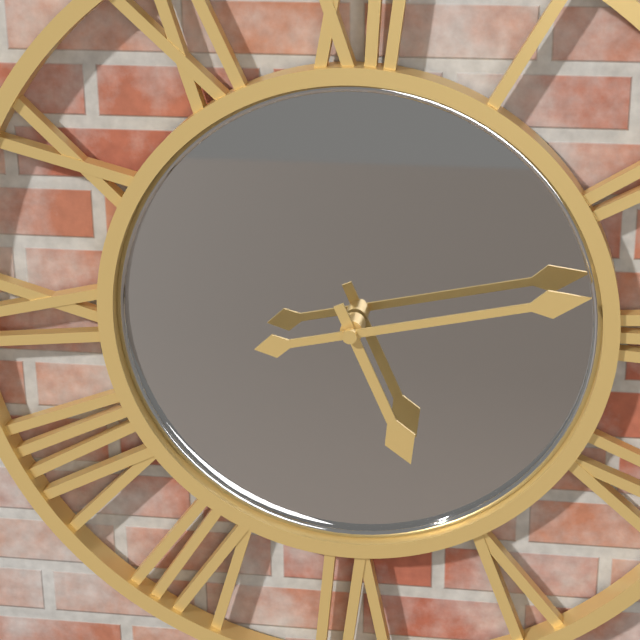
5:13
